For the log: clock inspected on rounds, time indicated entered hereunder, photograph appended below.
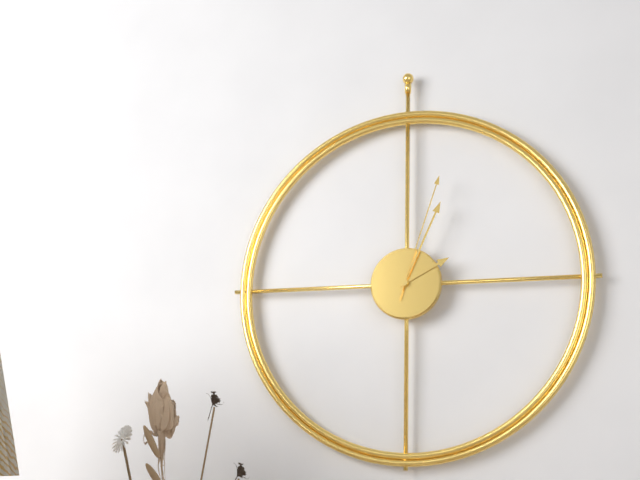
2:04:03
